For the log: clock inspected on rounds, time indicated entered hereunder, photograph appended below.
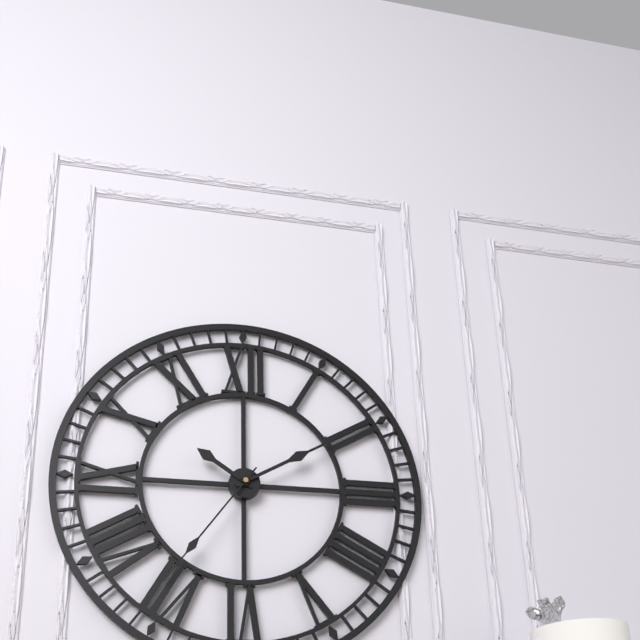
10:10:36
